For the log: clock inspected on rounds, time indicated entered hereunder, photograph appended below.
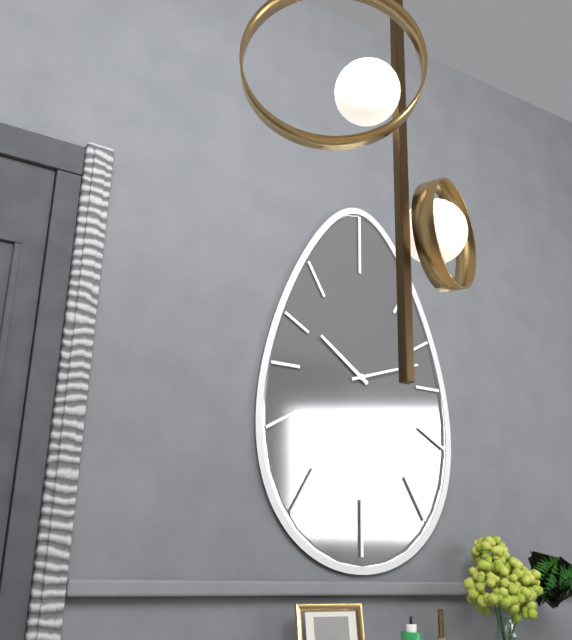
10:12
